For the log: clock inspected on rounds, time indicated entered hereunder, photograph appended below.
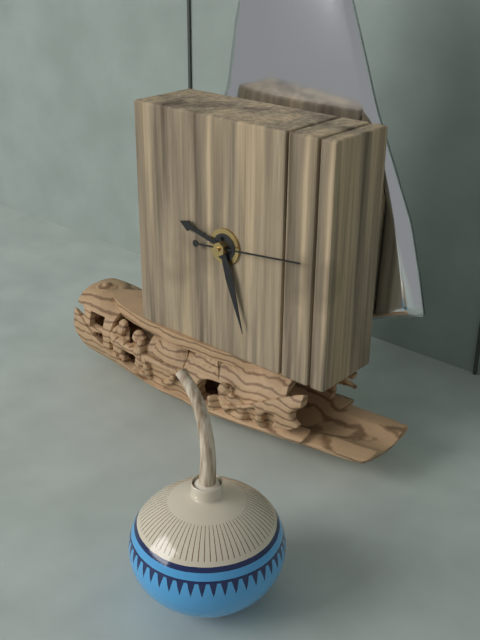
9:27:14
